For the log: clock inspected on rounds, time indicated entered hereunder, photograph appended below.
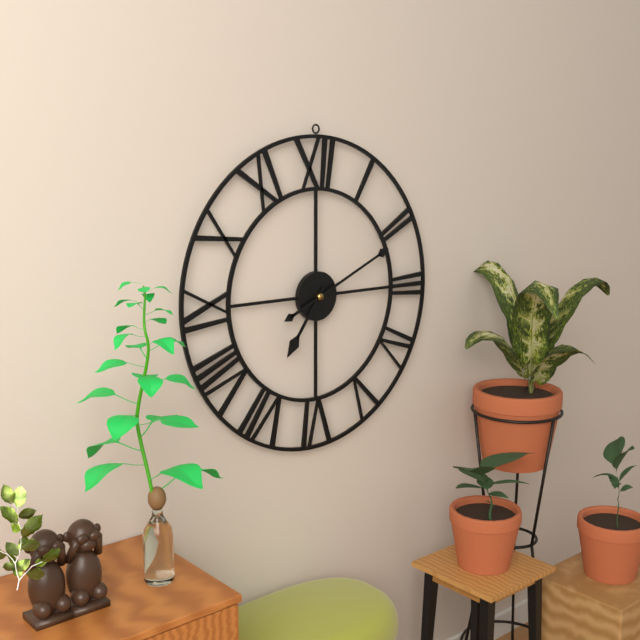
7:11
